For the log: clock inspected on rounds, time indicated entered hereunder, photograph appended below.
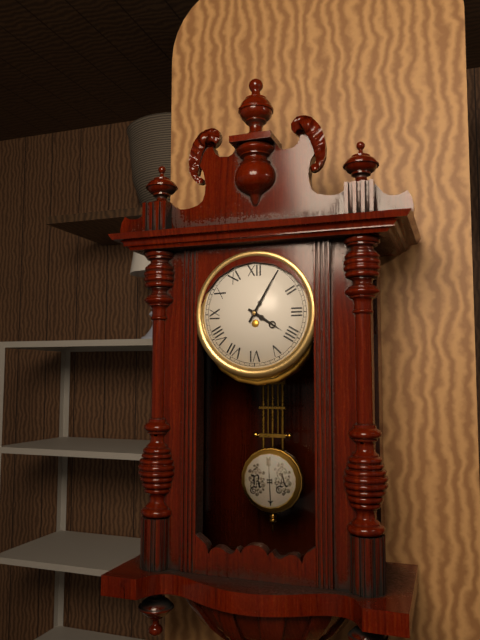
4:05
